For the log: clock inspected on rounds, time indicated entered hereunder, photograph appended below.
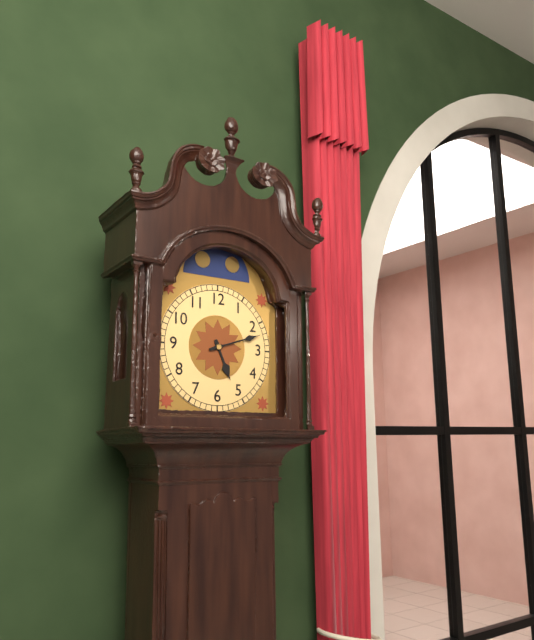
5:12
